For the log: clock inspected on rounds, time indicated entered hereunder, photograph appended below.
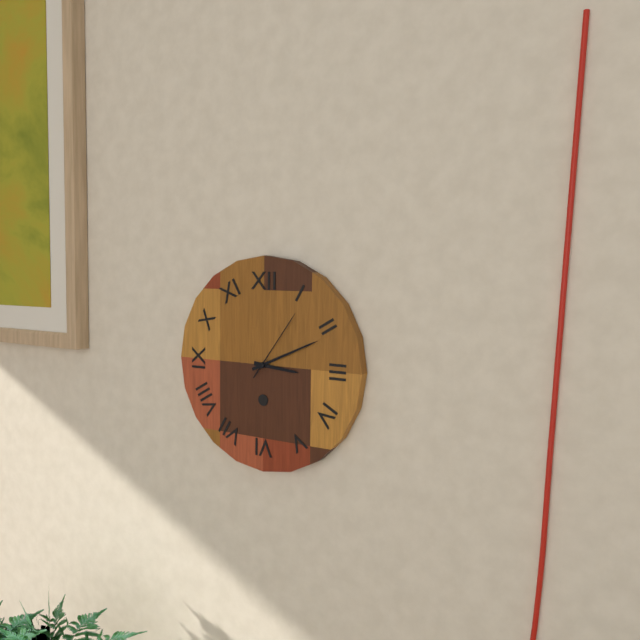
3:11:06
